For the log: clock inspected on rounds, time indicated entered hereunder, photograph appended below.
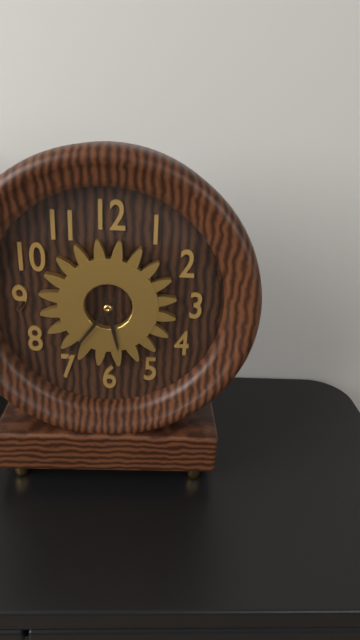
5:36
